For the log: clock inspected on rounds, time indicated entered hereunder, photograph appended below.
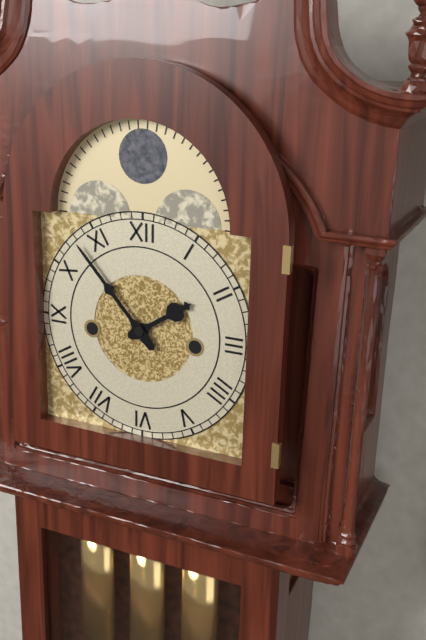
1:53
